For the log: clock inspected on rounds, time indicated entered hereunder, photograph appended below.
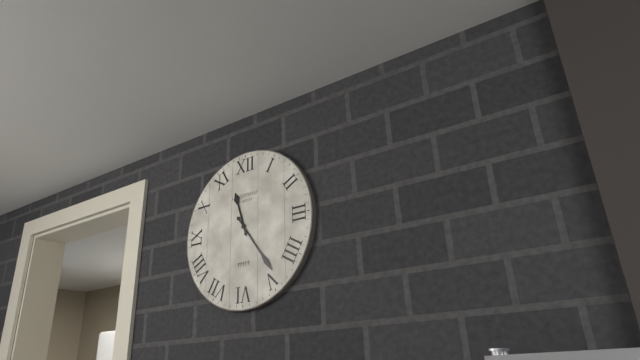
11:24
